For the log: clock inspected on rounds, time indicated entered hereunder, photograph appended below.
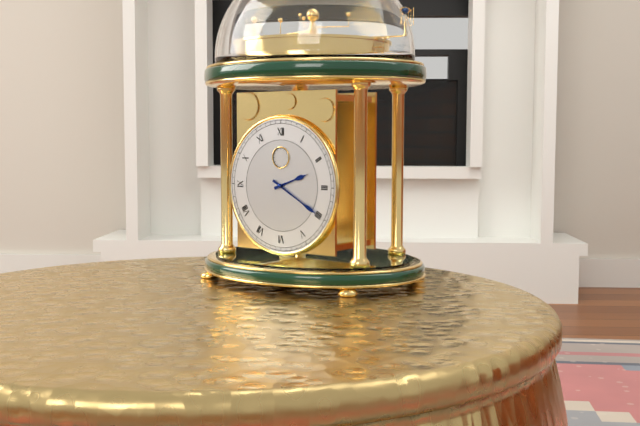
2:20
